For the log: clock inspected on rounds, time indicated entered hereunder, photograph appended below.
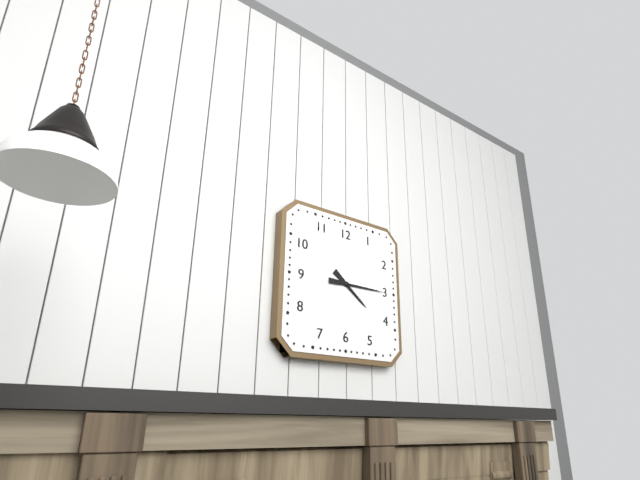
4:15
